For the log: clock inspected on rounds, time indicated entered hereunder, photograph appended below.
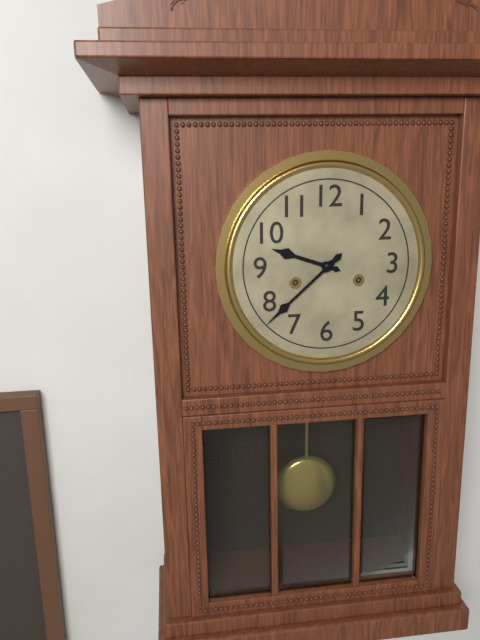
9:38
